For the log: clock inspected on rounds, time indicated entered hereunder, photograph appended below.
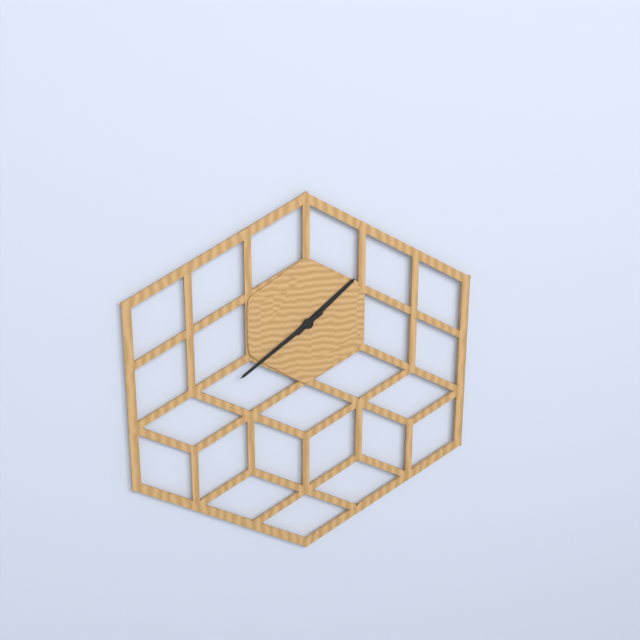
1:39
